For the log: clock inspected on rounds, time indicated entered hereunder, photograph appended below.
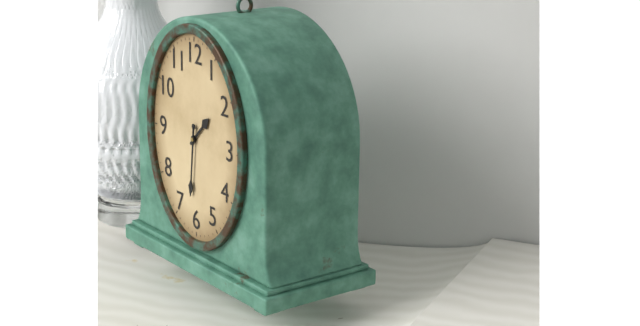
1:31
